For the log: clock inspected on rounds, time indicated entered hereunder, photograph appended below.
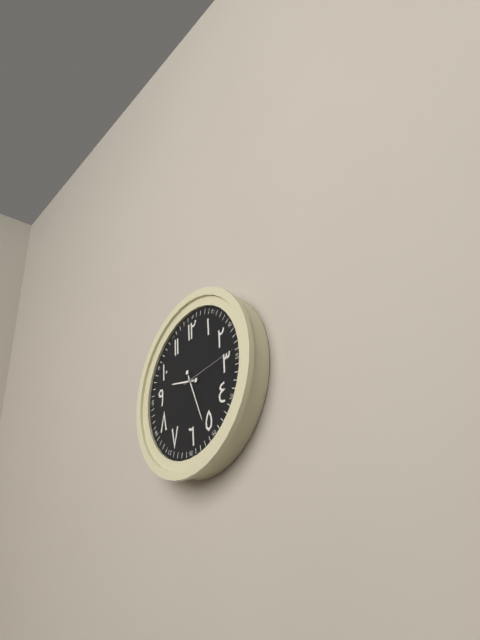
9:26:14
